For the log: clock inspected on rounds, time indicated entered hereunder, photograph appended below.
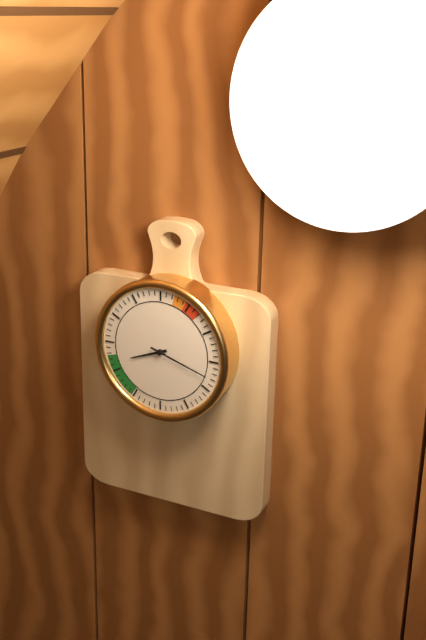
8:18
